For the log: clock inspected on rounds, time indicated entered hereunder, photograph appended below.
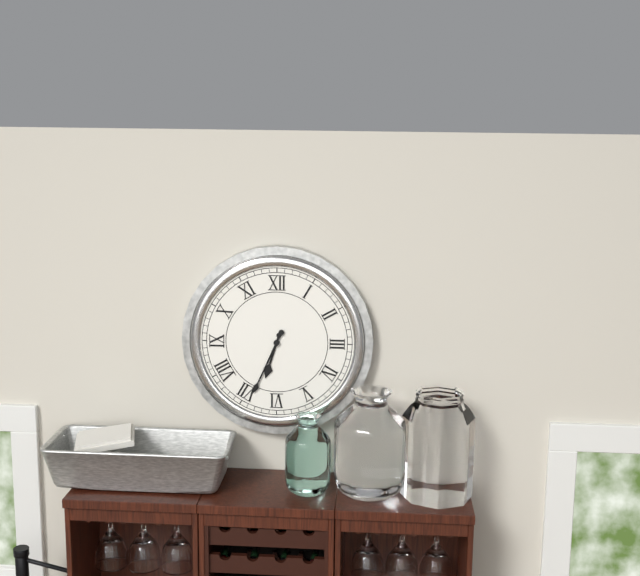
6:34
